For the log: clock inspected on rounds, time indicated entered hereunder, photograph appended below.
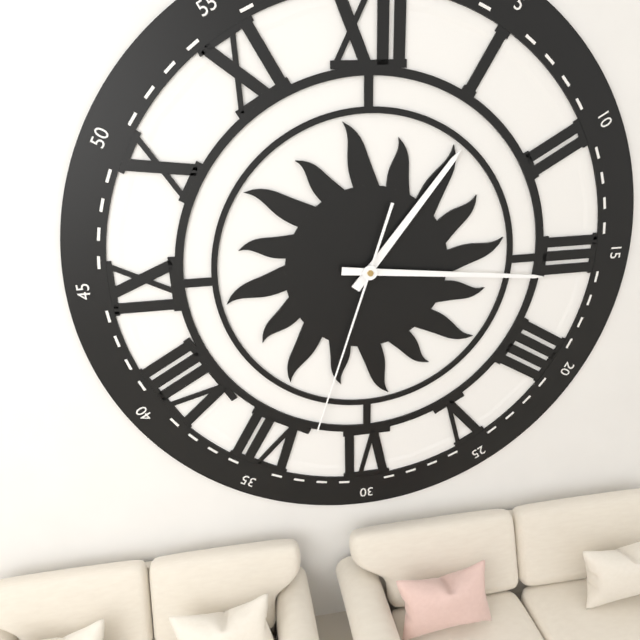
1:16:33
